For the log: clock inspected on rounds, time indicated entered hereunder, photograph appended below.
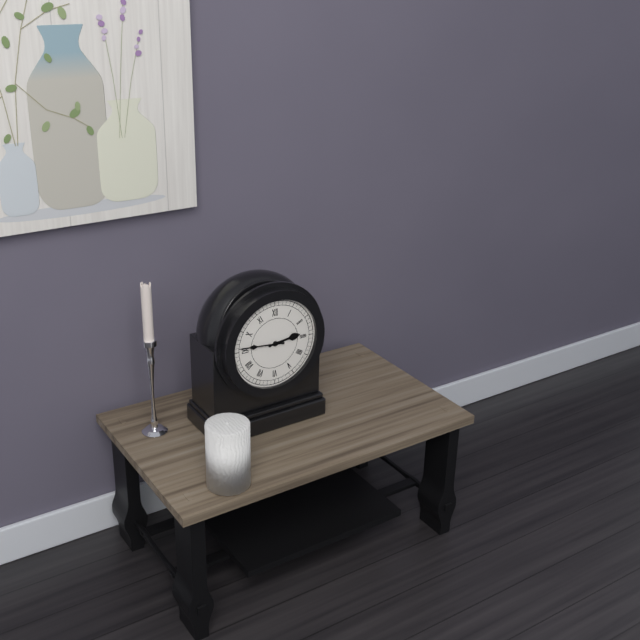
2:46
